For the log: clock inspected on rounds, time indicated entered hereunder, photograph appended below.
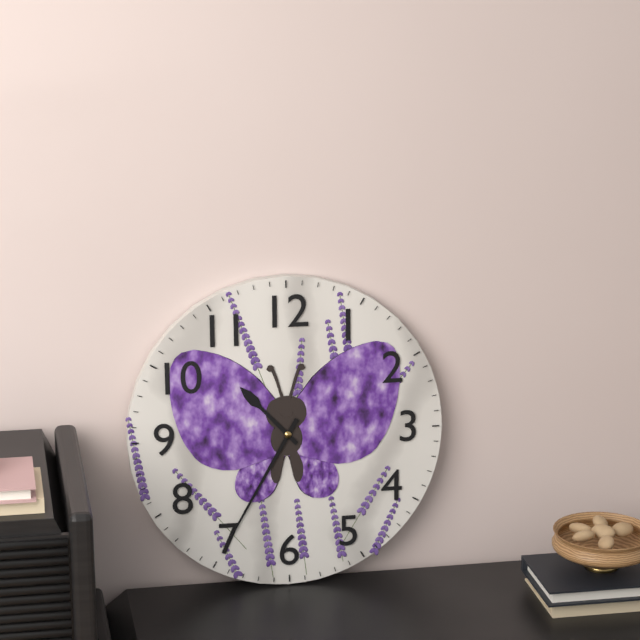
10:35
